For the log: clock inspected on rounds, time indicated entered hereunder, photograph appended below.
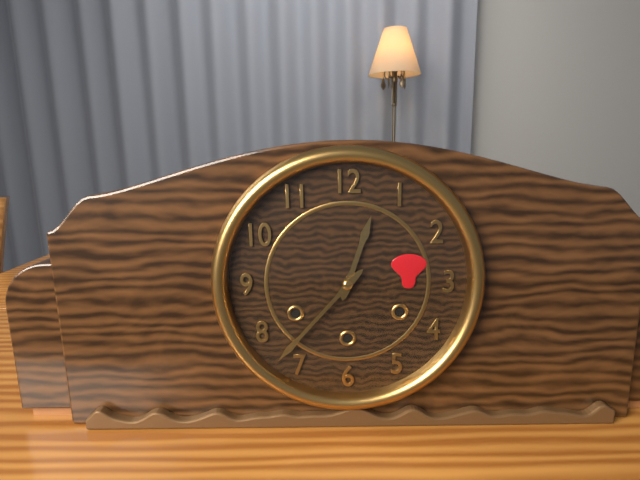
12:37
